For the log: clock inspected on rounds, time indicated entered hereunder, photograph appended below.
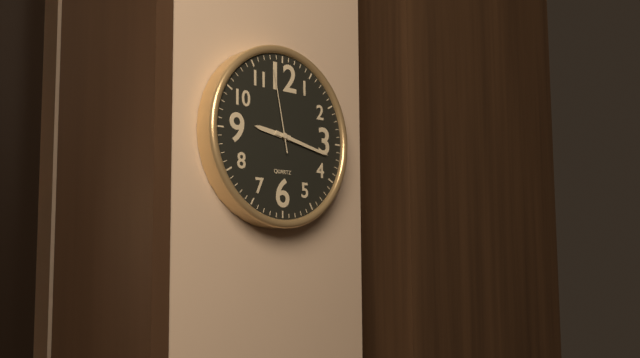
9:17:58
